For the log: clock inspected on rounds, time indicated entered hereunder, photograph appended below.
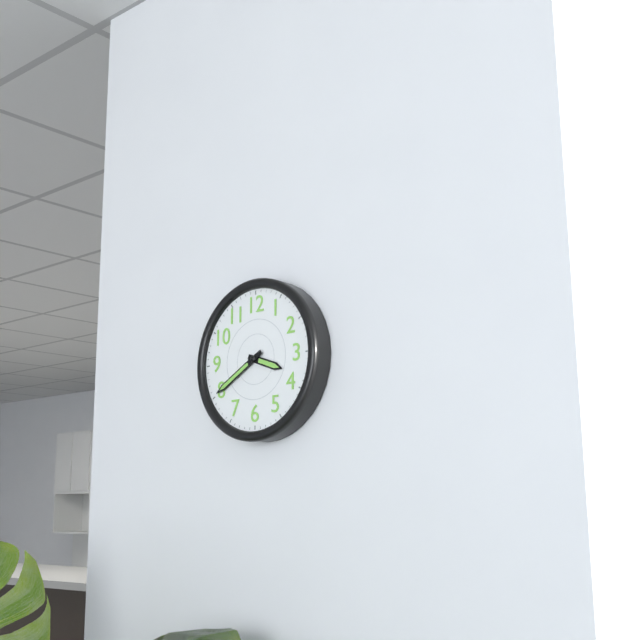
3:40
